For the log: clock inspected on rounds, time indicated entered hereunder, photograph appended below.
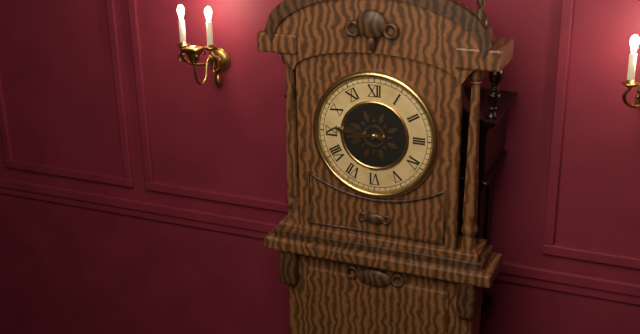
8:46
